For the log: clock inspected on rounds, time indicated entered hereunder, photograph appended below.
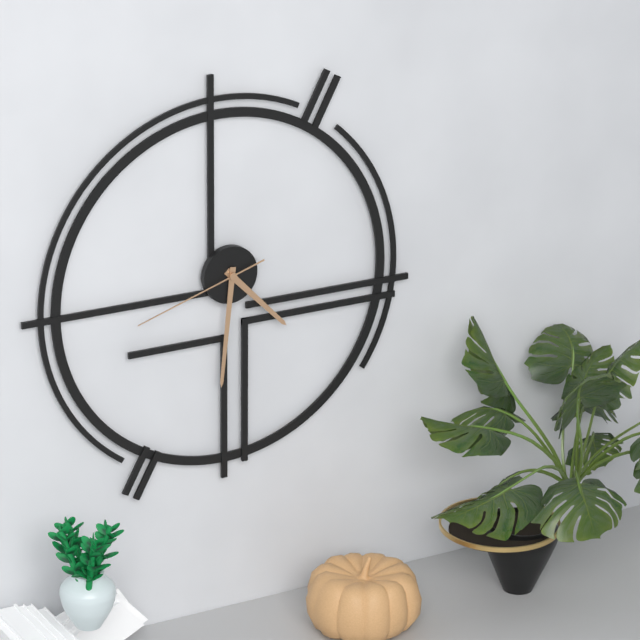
4:31:42
